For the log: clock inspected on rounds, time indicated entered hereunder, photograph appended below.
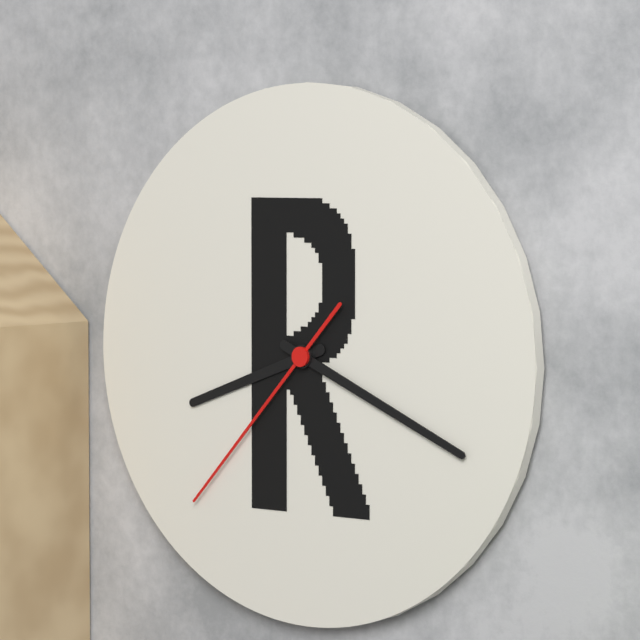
8:19:37
